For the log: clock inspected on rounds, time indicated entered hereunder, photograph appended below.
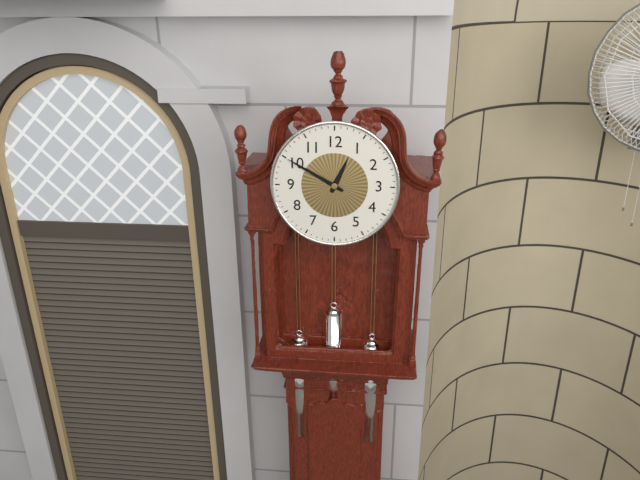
12:50
